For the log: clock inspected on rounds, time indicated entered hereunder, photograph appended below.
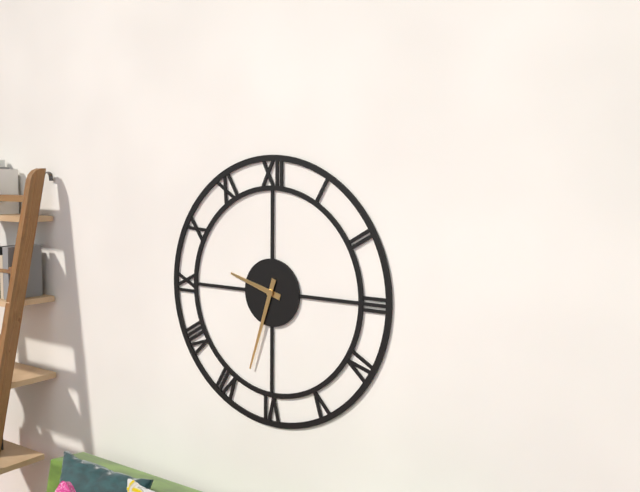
9:33
